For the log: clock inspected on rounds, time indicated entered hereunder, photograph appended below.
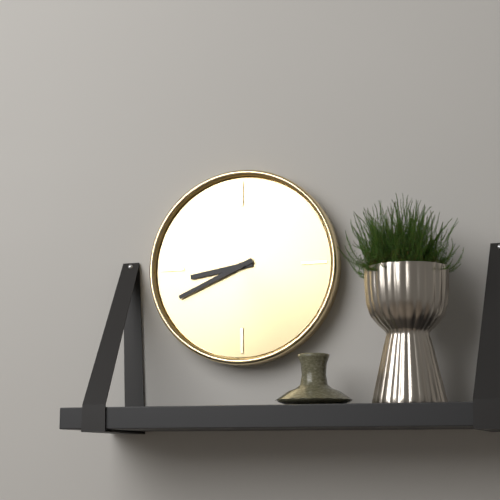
8:41
